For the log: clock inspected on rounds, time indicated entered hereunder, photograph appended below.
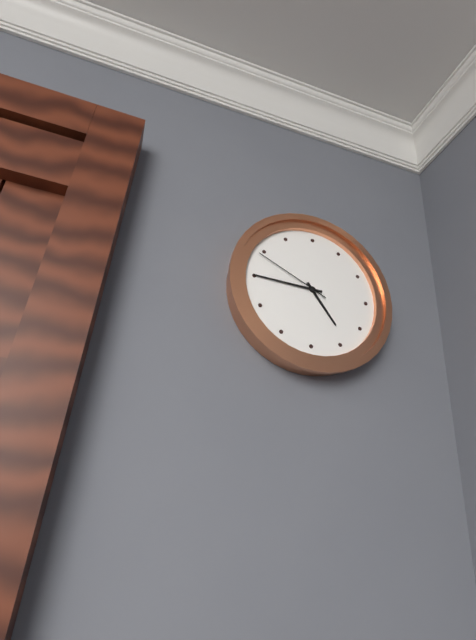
4:45:49
